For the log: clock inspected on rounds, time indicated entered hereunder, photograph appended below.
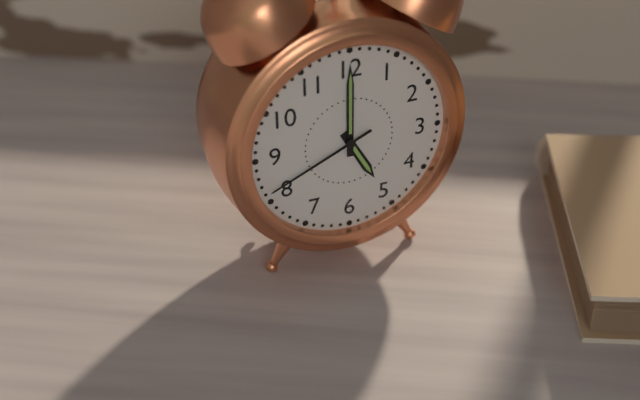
5:00:41
